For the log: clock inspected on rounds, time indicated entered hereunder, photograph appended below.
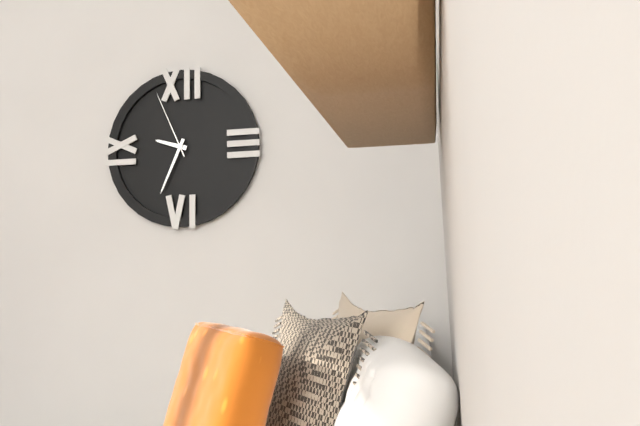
9:34:56
